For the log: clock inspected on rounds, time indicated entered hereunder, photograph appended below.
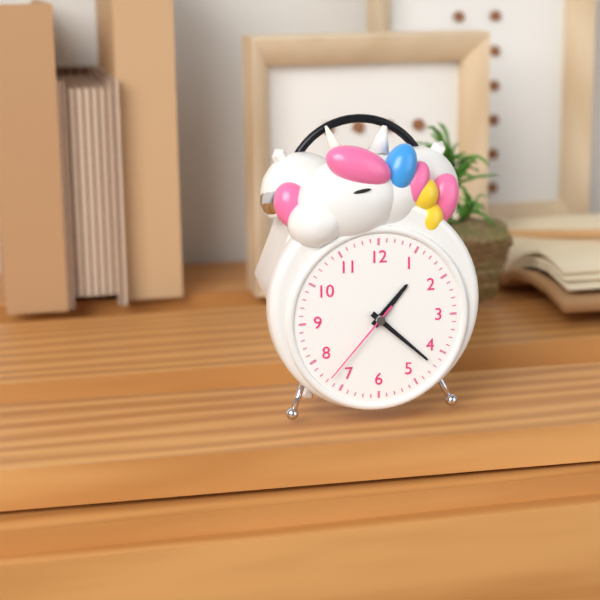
1:22:37
